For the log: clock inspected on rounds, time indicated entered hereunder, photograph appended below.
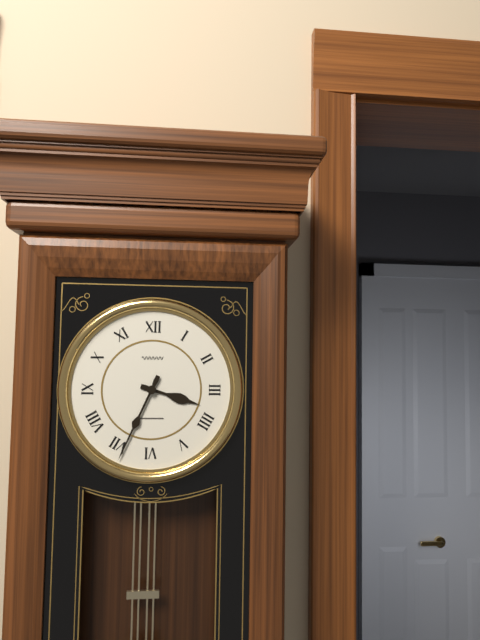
3:34
